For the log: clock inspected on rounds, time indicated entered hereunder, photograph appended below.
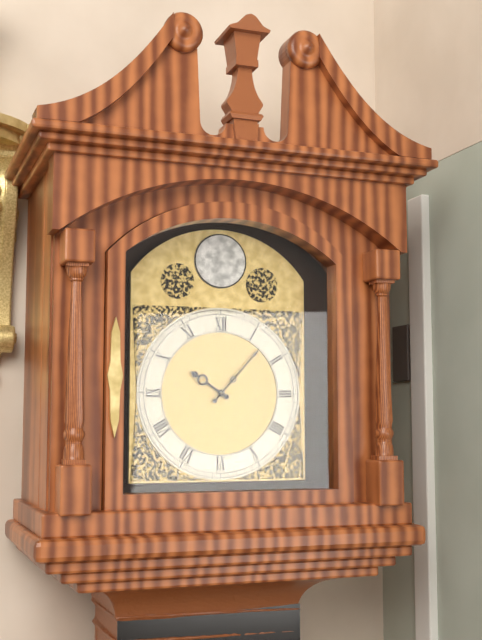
10:07
